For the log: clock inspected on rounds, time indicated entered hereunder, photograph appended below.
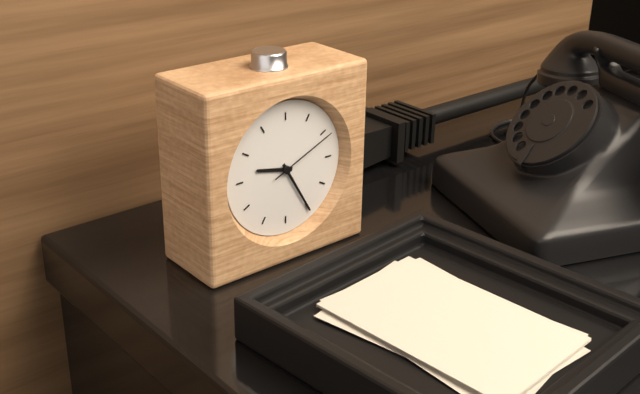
9:25:11
